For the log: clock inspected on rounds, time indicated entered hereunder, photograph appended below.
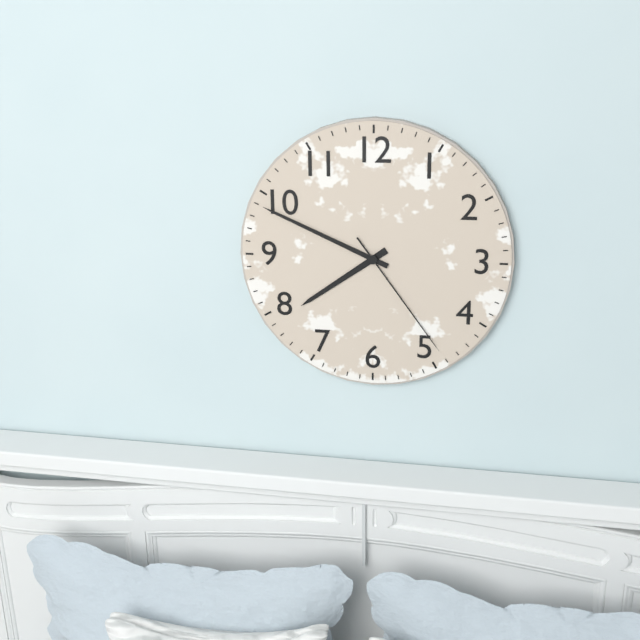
7:49:24
